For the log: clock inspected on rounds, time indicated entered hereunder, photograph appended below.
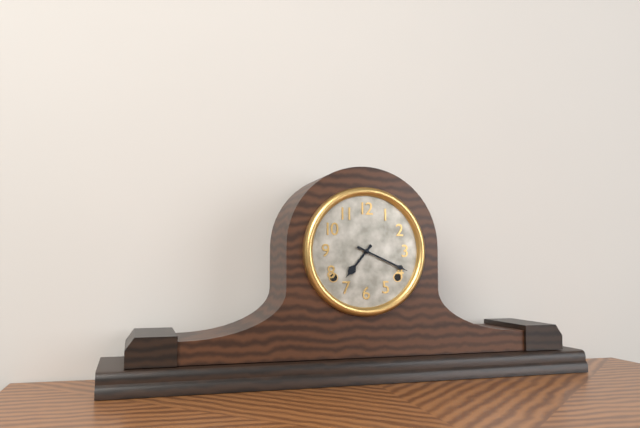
7:19
